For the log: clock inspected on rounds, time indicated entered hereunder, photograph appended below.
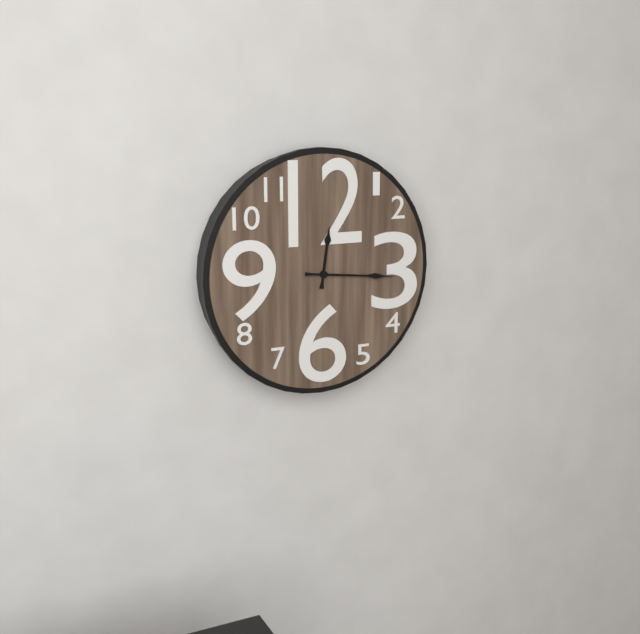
12:16
